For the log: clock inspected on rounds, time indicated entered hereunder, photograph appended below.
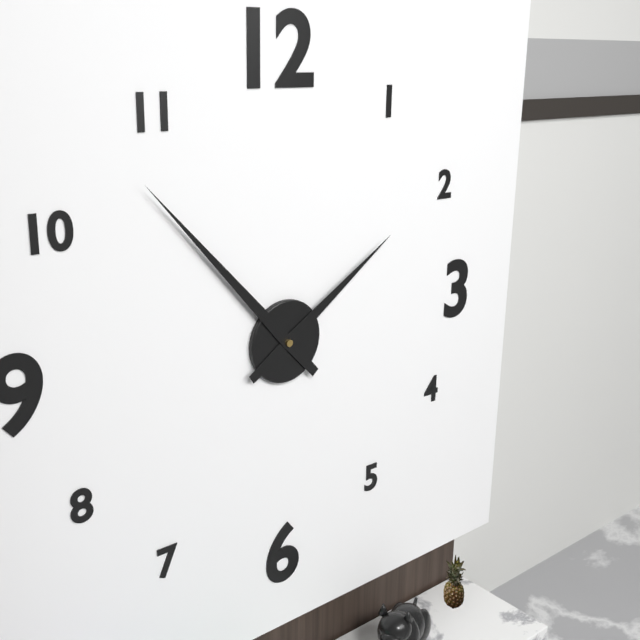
1:53
